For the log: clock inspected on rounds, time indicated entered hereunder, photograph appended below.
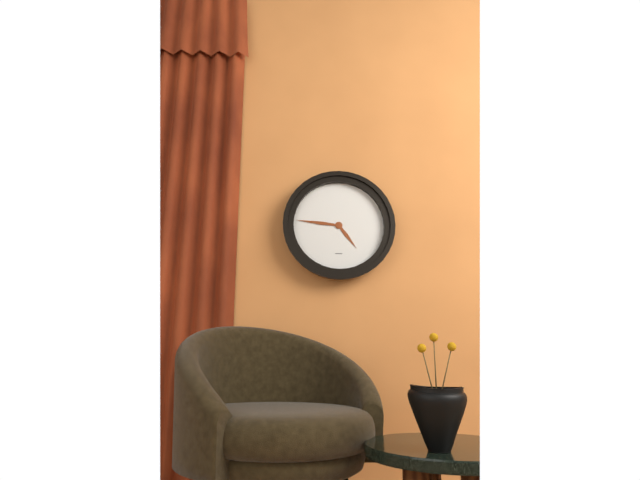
4:46
